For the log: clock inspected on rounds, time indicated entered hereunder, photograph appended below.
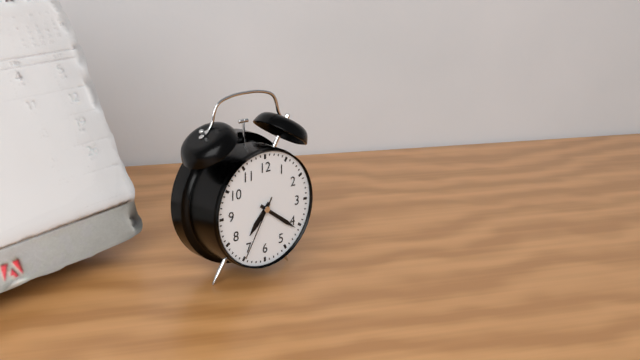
7:21:35
